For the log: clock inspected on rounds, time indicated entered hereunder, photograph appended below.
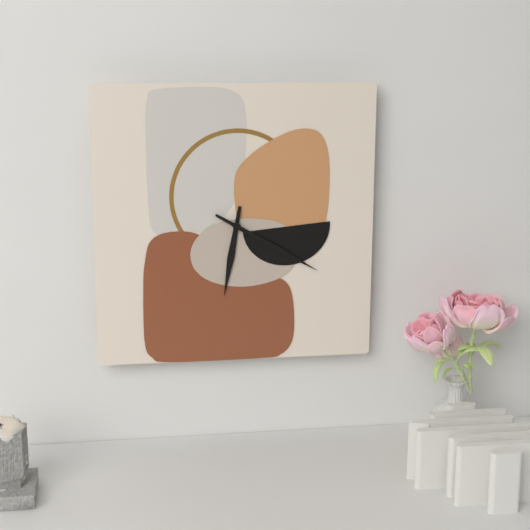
6:20
